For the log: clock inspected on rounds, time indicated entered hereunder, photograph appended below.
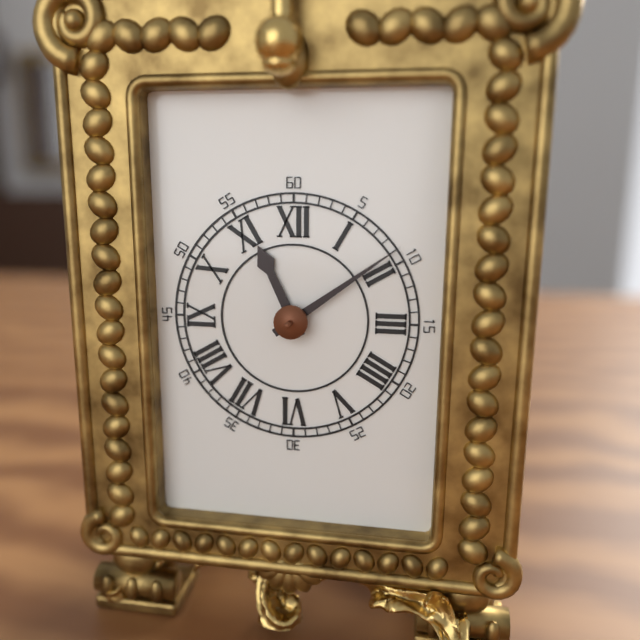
11:09
